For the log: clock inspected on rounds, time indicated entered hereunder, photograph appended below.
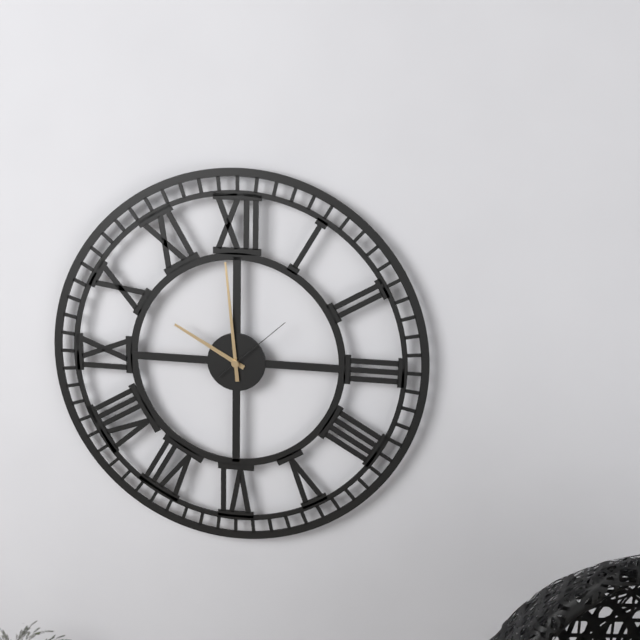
9:59:08
